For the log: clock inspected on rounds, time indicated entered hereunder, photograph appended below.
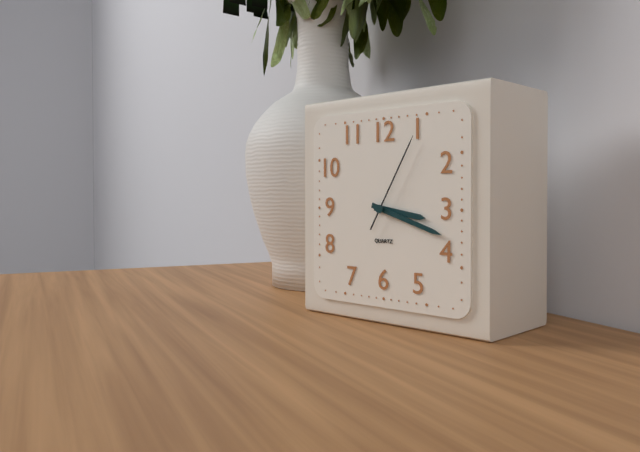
3:18:05
